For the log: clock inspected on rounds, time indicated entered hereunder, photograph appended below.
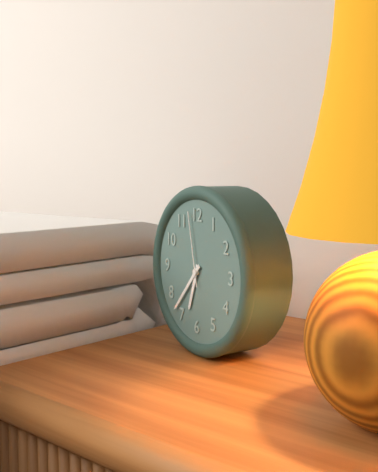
6:37:58
